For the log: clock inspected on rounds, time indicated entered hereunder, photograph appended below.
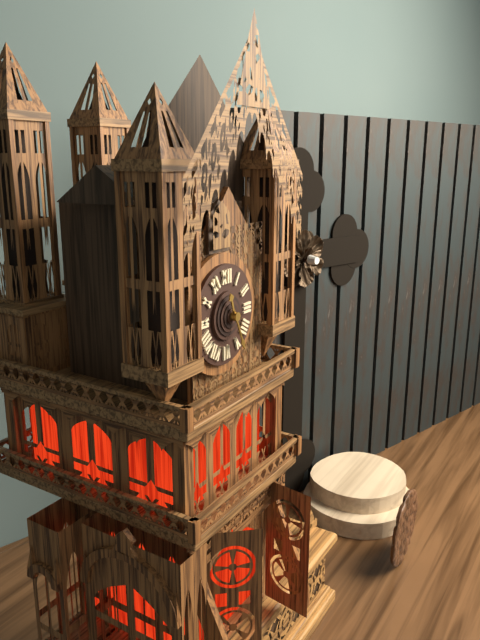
11:26
